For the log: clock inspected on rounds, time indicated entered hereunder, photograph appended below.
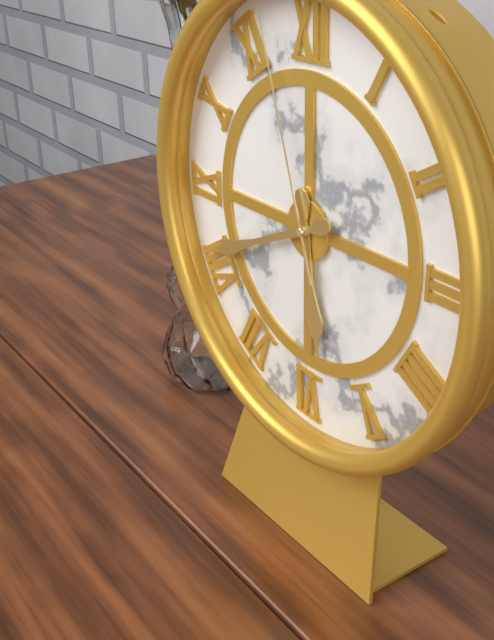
5:41:57
